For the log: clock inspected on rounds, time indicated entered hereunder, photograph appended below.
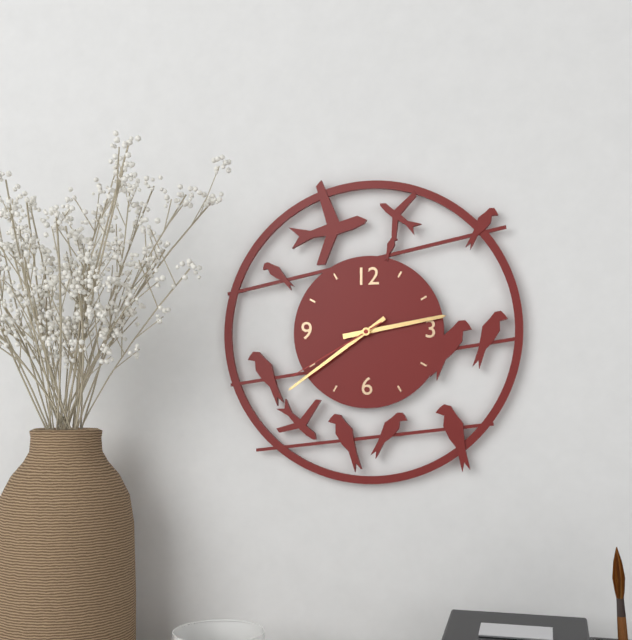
2:39:40
